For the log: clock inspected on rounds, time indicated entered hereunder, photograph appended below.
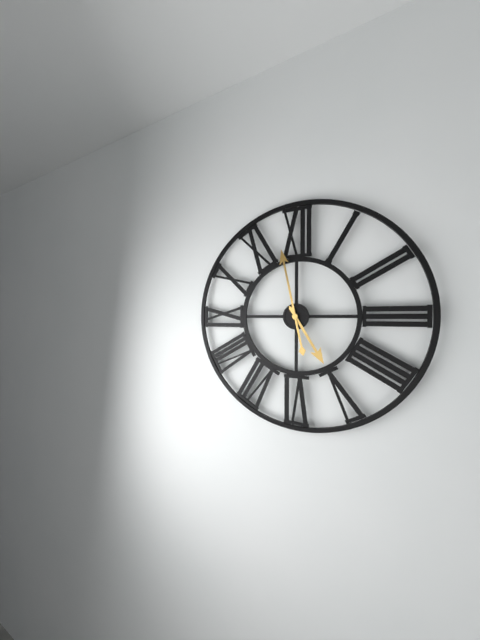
4:58
